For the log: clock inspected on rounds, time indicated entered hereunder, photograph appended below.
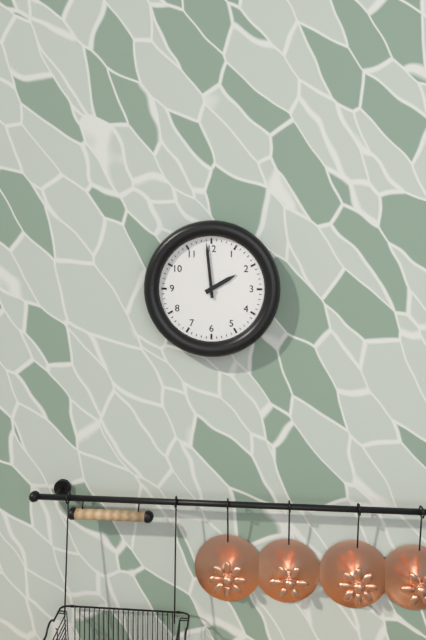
1:59
